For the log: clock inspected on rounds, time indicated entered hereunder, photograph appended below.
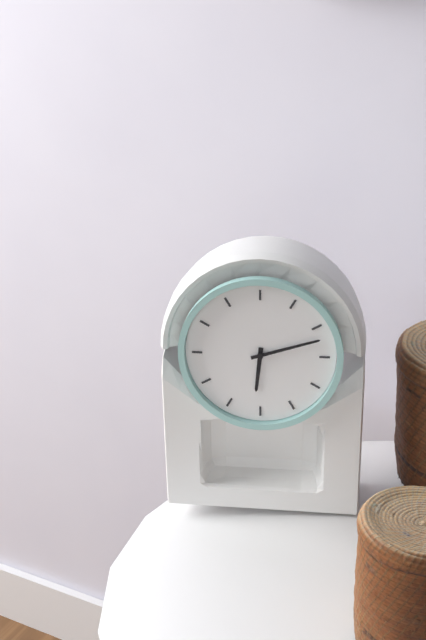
6:12
